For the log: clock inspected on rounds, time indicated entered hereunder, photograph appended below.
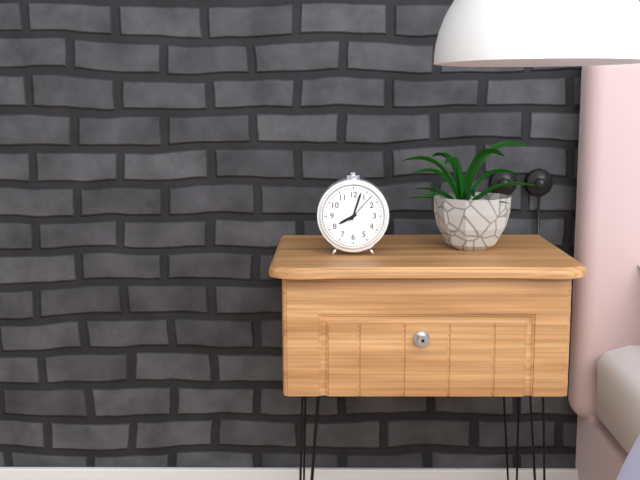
8:03
